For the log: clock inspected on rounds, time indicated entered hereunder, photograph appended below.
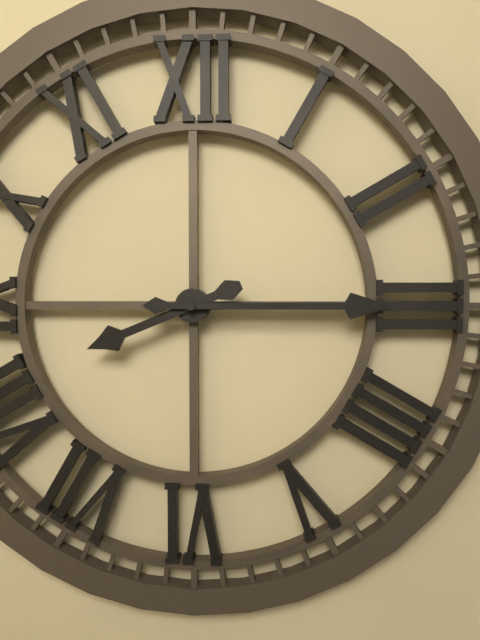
8:15
